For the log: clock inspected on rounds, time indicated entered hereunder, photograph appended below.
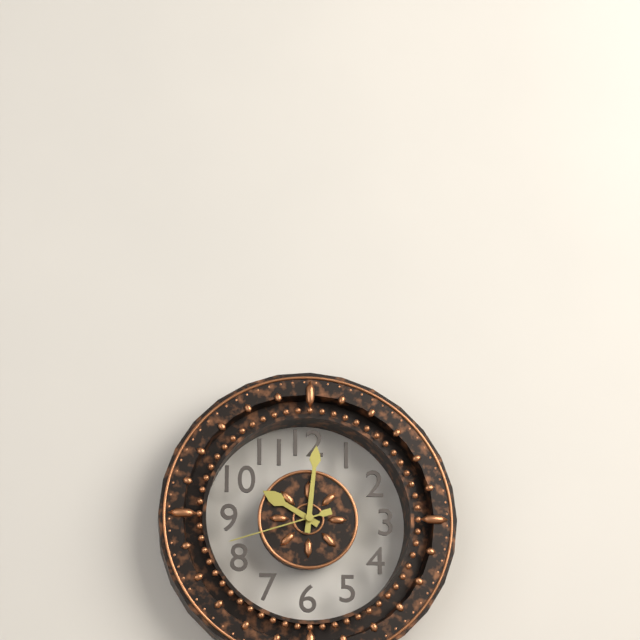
10:01:42
